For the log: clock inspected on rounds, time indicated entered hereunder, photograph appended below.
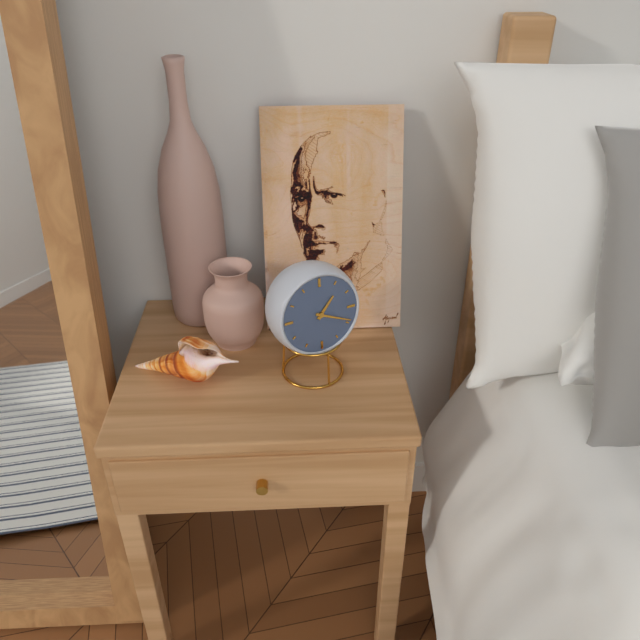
1:19
